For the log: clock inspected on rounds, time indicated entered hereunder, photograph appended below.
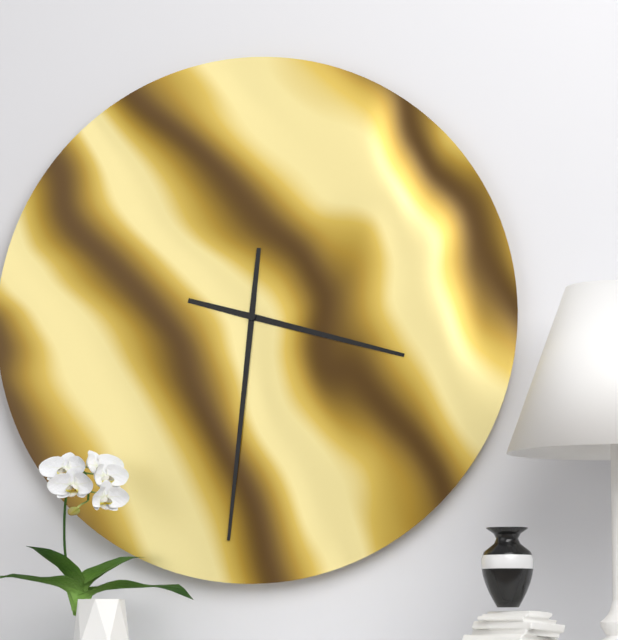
3:31
